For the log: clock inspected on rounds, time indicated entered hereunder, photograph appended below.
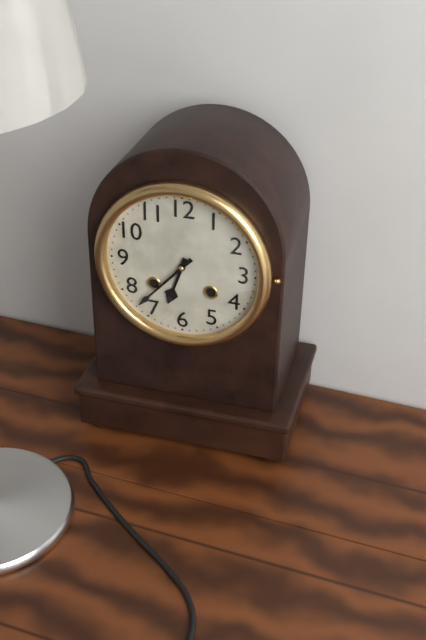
6:37
